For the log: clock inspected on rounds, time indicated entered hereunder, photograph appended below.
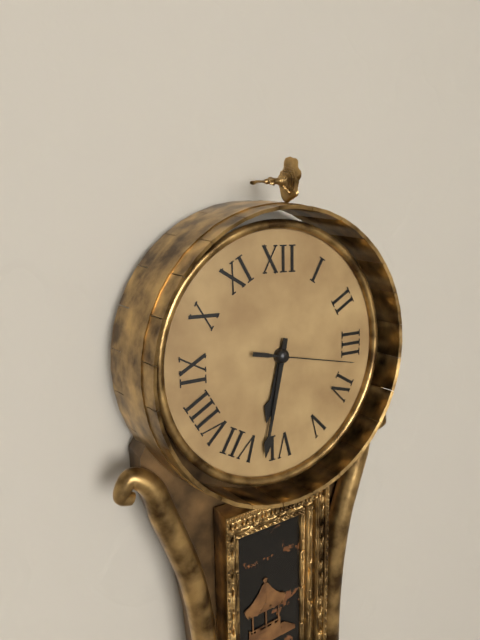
6:32:17
